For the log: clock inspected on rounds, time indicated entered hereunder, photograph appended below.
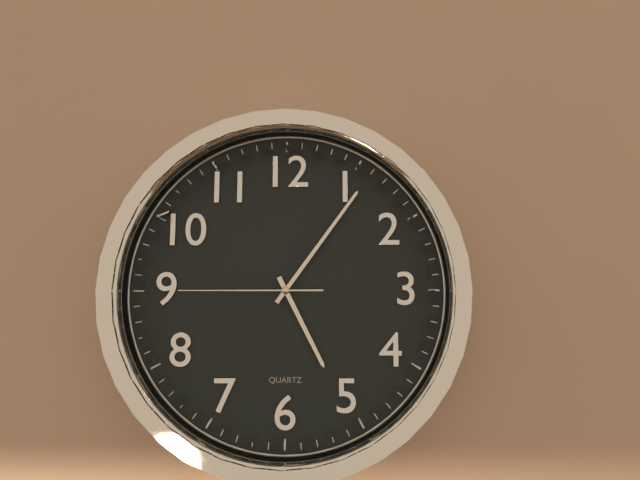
5:06:45
